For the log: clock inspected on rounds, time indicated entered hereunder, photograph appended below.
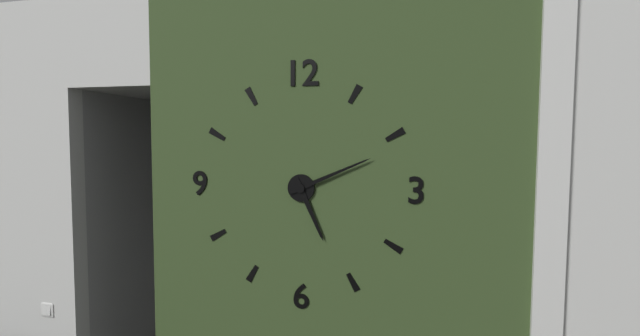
5:11
